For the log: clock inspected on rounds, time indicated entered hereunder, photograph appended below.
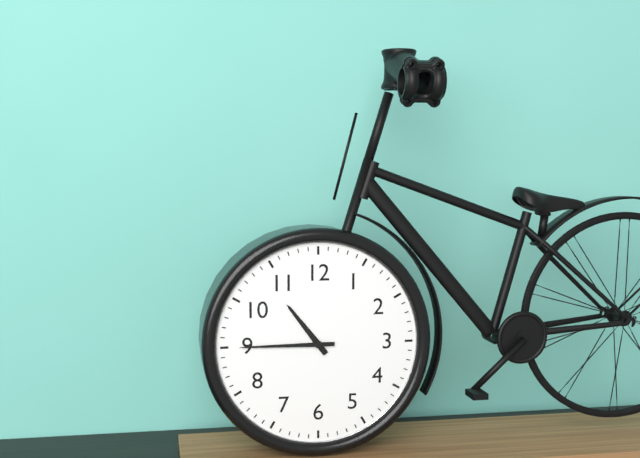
10:45
